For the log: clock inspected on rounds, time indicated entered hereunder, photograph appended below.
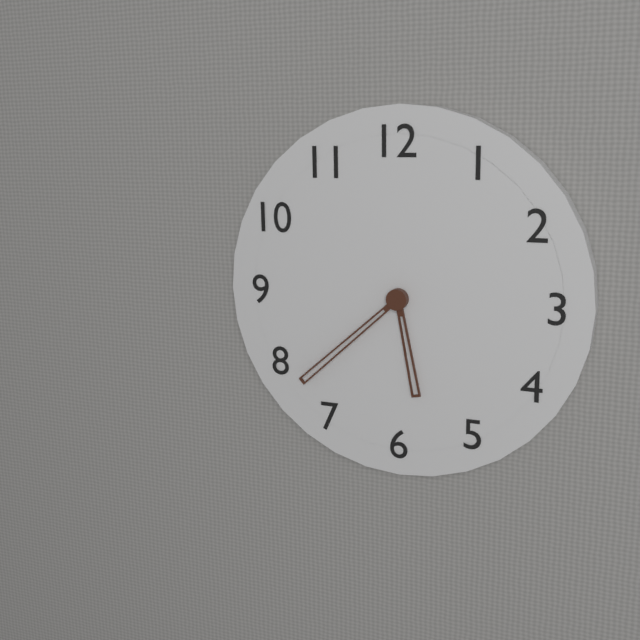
5:38
